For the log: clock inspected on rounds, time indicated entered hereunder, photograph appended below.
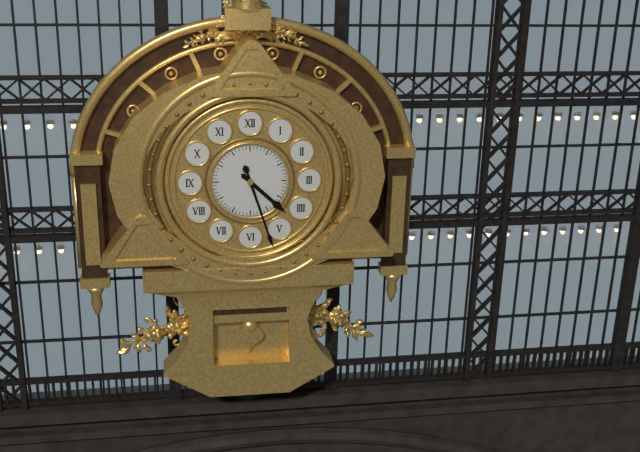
4:27
